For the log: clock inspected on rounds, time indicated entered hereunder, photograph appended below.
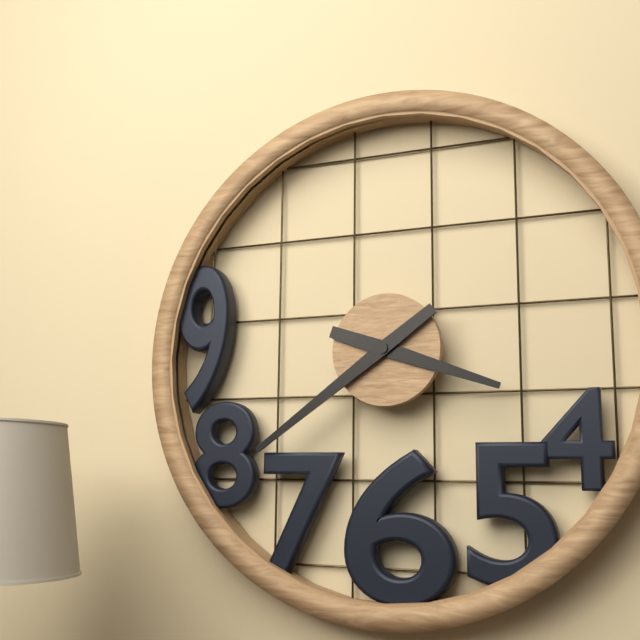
3:39
